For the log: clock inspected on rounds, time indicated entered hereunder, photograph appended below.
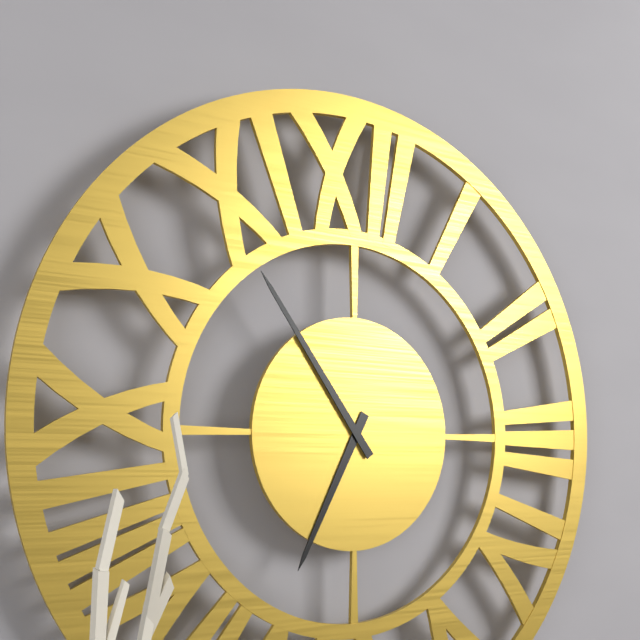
6:54
